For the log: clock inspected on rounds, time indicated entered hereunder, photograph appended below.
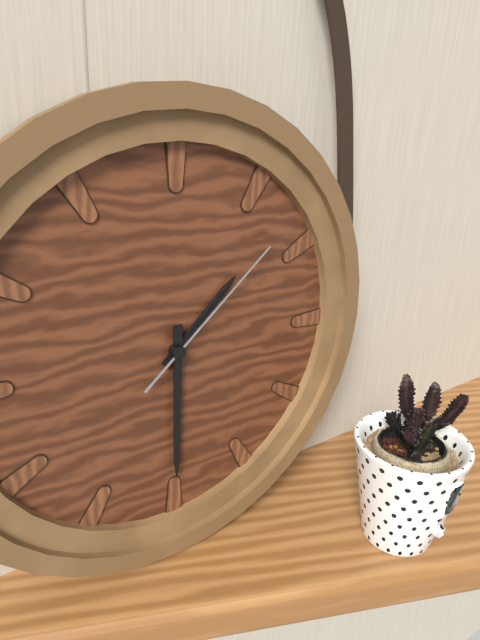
1:30:08
